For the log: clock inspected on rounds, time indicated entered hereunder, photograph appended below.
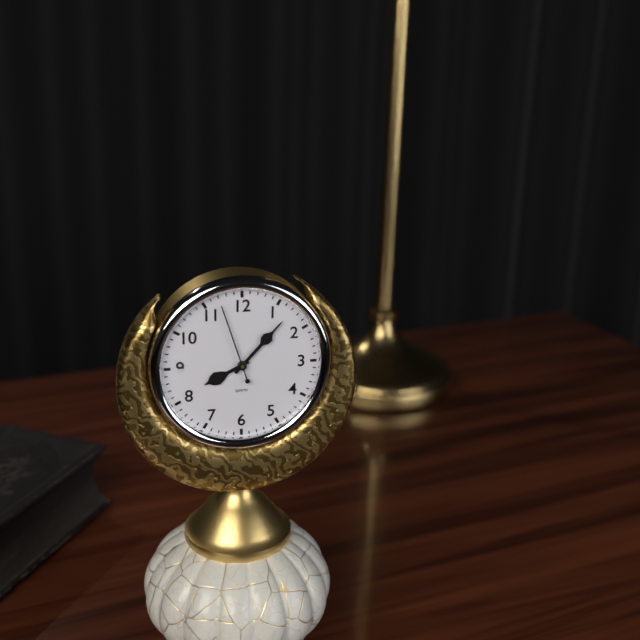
8:07:57
